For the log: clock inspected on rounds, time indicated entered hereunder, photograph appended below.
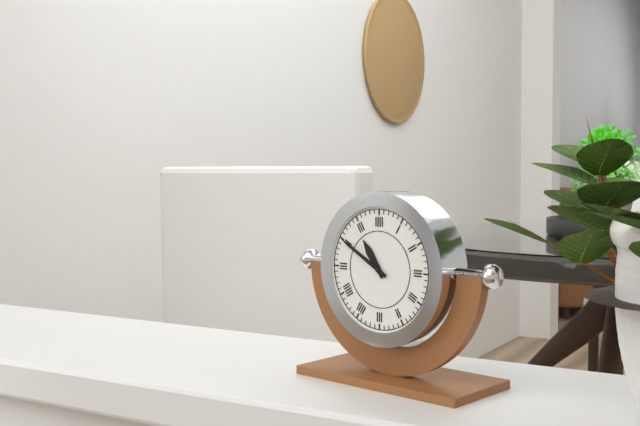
10:50
